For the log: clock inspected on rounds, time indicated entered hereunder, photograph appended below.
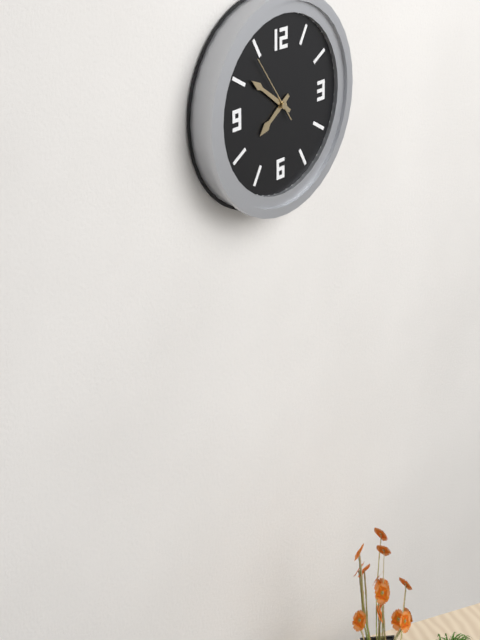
7:51:54
